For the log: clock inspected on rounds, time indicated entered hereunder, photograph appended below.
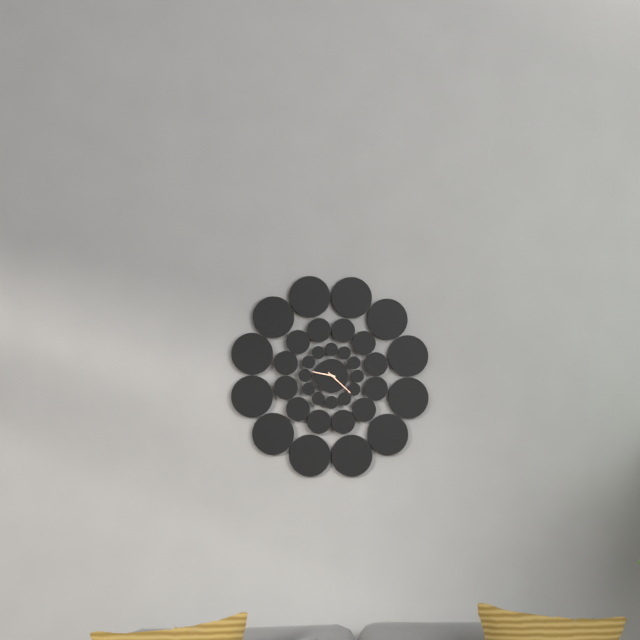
9:22
